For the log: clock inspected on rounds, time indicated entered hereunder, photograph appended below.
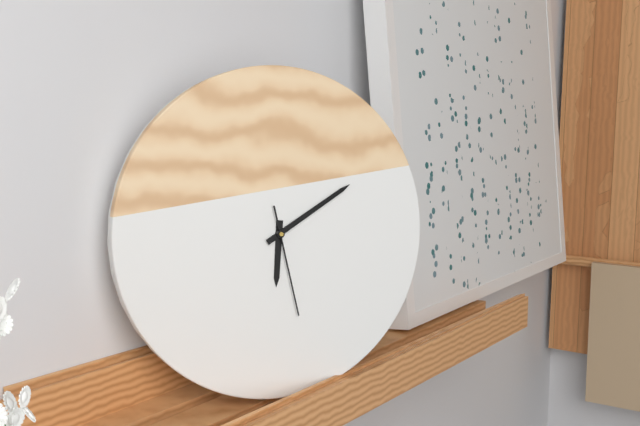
6:10:28
